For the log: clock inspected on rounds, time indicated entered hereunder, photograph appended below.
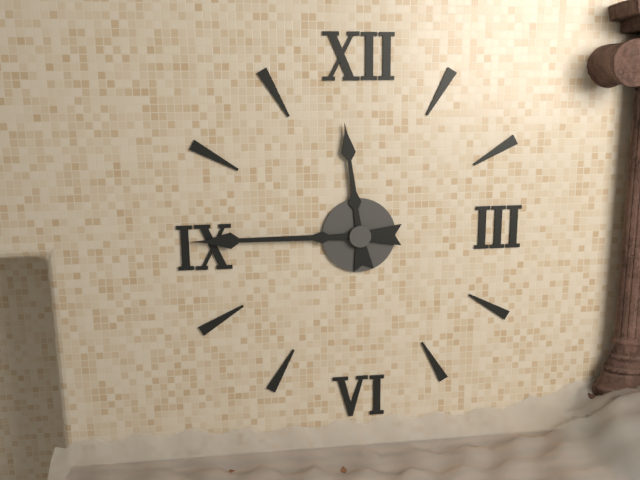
11:45
